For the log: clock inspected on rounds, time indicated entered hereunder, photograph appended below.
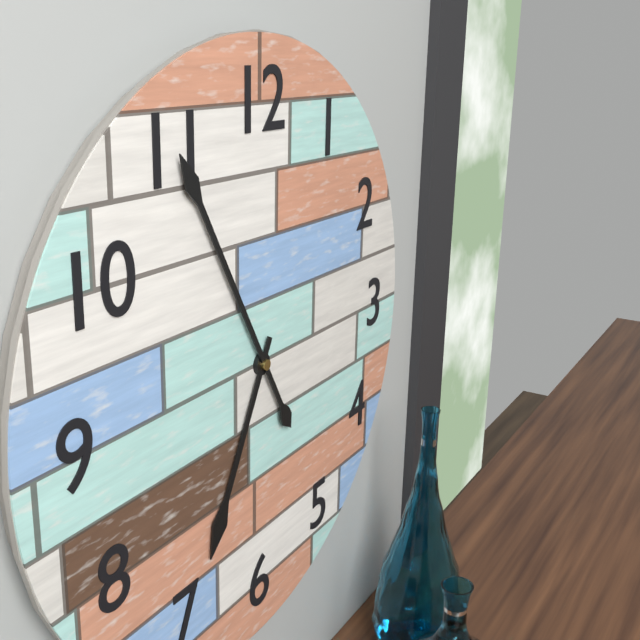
6:55
